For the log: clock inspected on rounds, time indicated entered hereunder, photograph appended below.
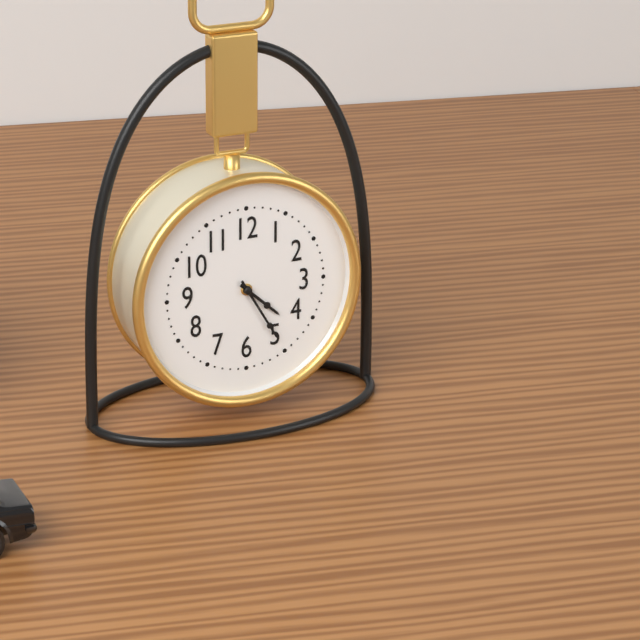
4:25
